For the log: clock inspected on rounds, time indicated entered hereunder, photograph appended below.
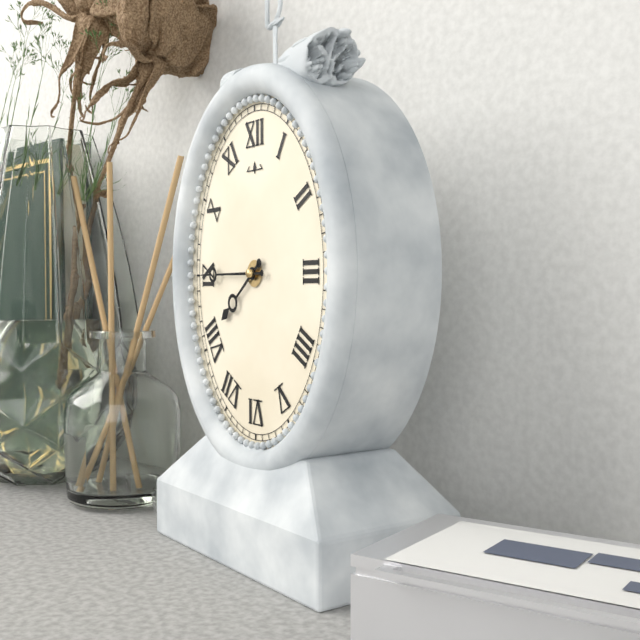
7:45
